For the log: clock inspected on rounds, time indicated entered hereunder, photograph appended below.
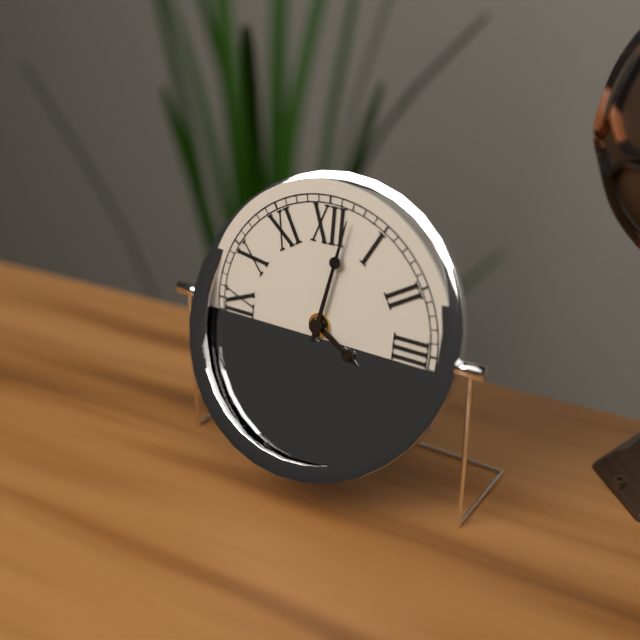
4:02
